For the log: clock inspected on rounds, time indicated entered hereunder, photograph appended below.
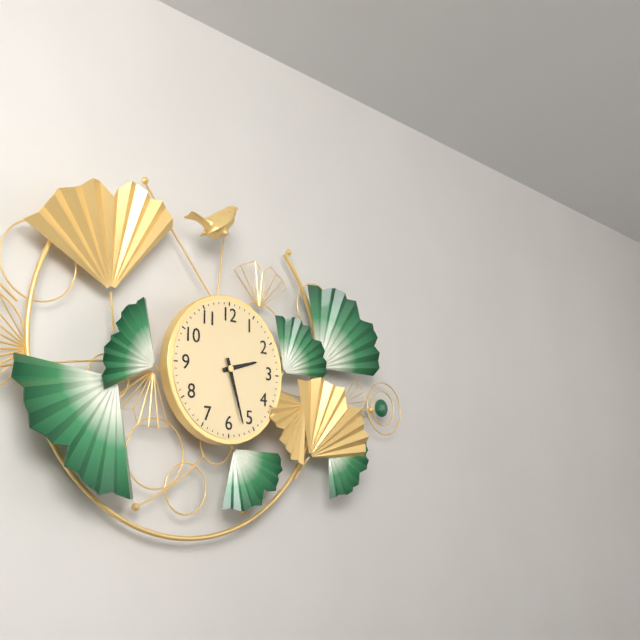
2:27
